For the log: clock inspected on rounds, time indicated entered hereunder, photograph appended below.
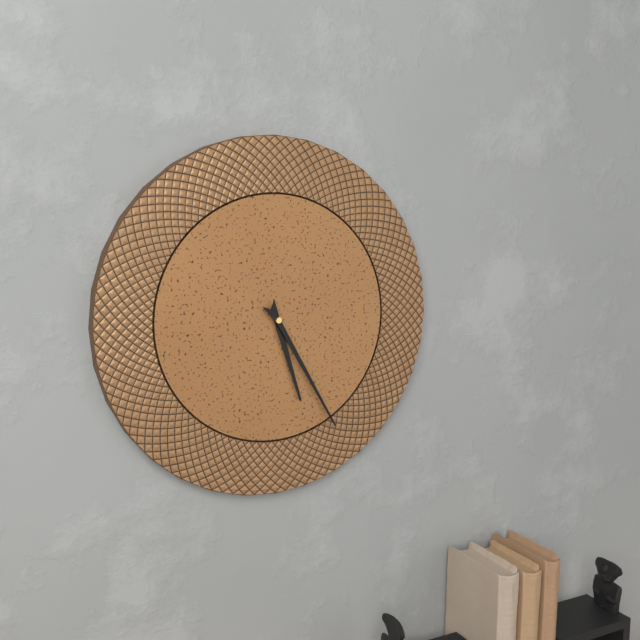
5:25
